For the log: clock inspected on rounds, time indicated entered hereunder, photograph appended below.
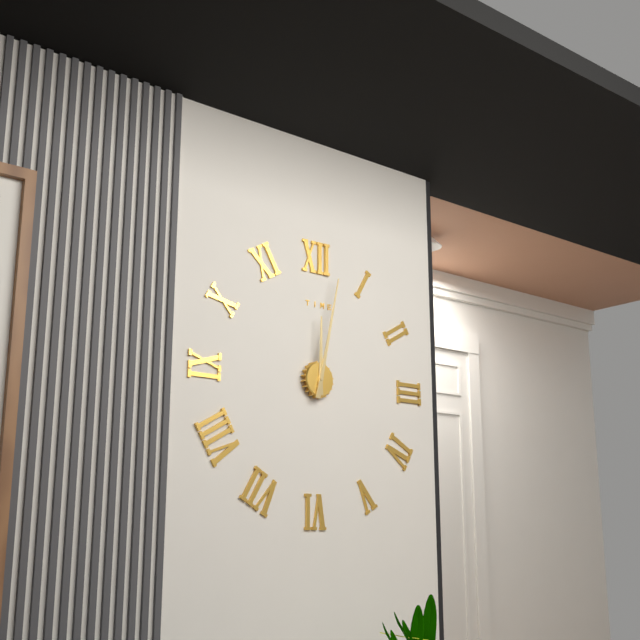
12:02
